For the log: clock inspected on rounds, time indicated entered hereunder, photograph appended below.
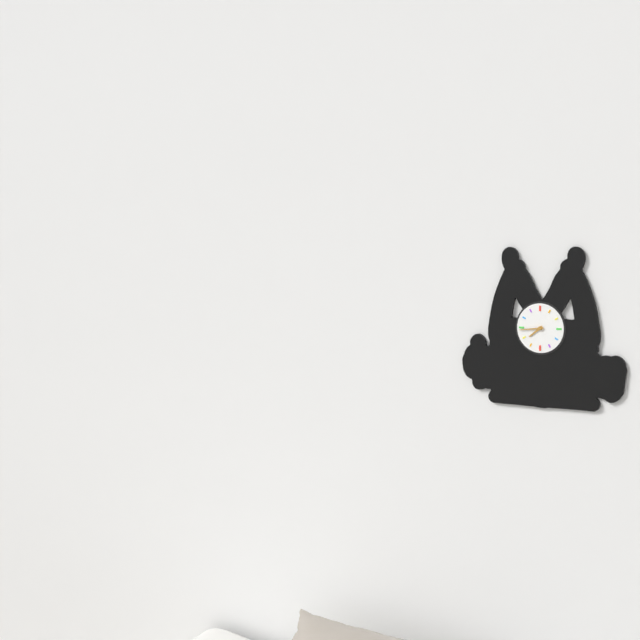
7:44
